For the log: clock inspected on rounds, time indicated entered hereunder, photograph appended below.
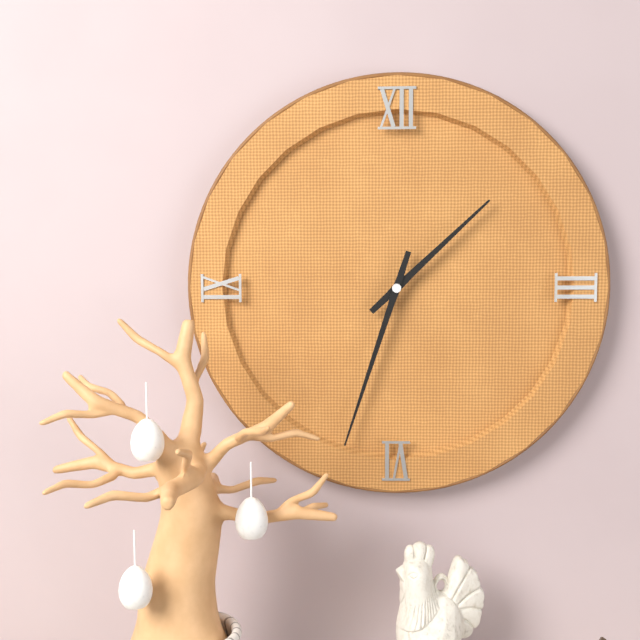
1:33
